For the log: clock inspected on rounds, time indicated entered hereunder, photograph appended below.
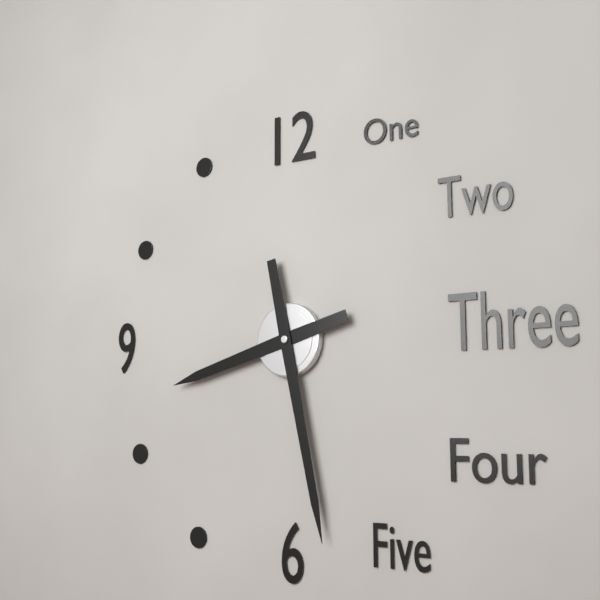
8:28
